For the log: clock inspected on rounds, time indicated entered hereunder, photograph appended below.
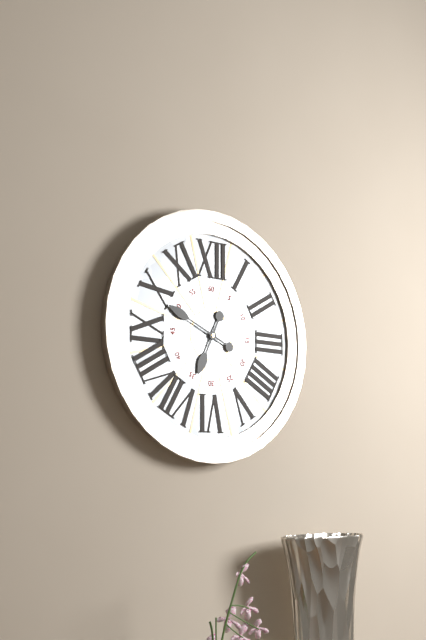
6:49
